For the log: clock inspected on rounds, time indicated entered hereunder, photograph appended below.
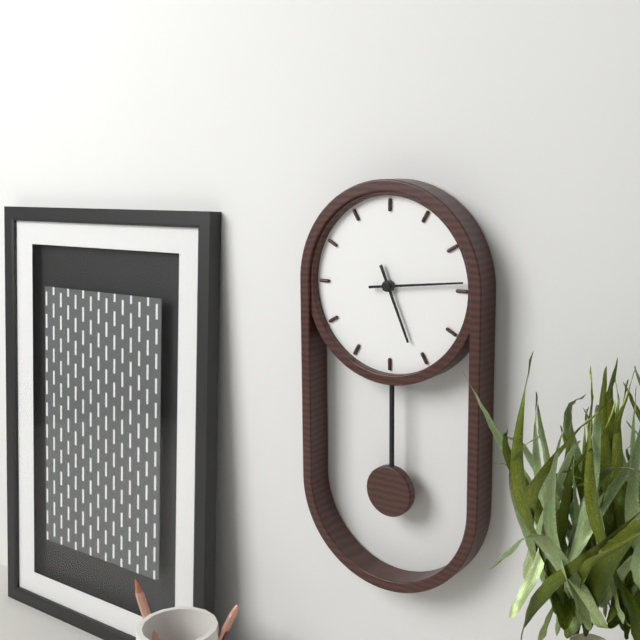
5:14
